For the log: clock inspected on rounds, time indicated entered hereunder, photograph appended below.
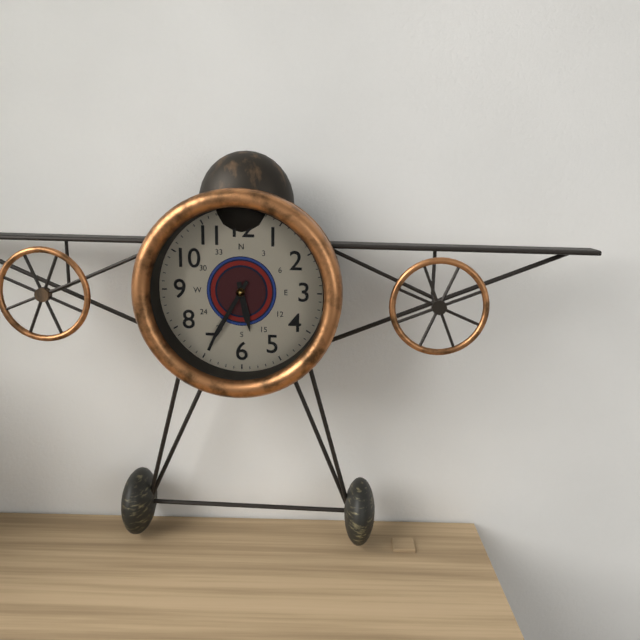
5:35
